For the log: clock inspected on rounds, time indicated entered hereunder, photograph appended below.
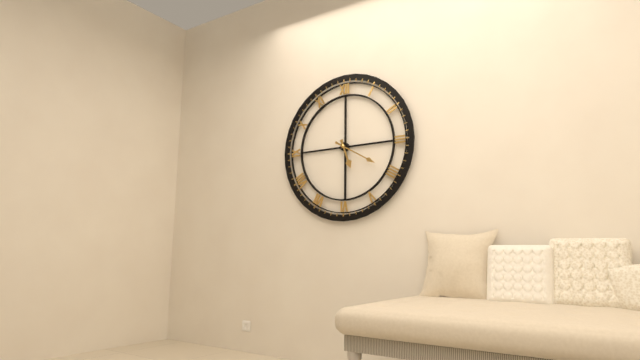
5:20
